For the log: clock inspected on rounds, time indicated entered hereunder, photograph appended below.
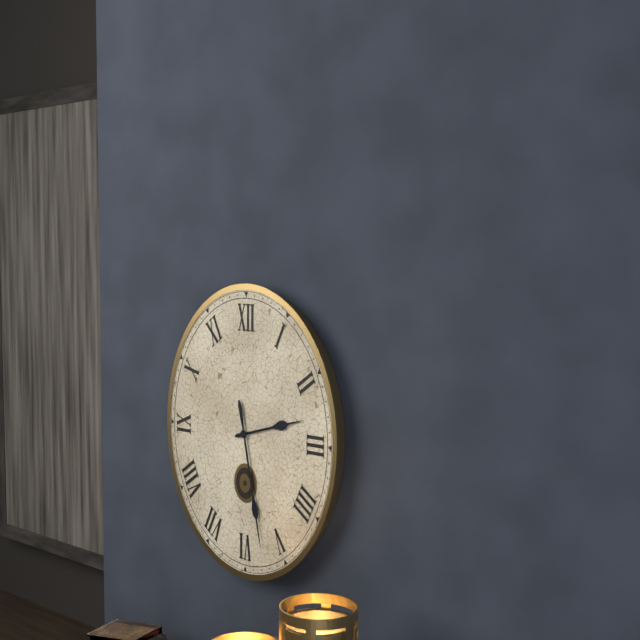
2:28
